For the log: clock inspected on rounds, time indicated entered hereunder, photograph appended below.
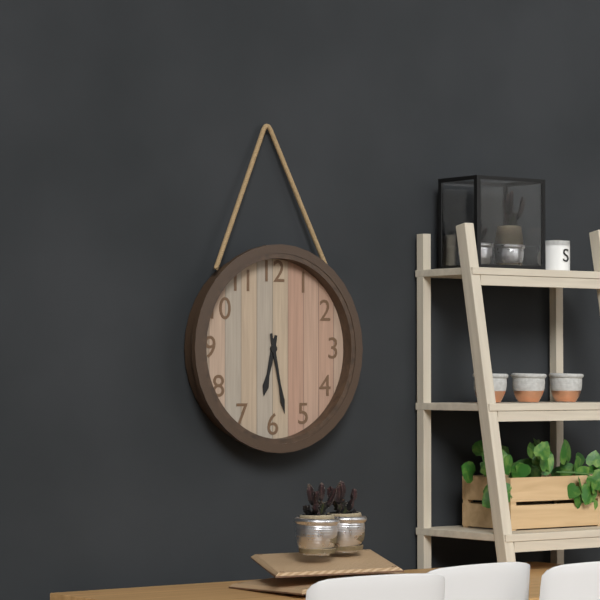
6:28
